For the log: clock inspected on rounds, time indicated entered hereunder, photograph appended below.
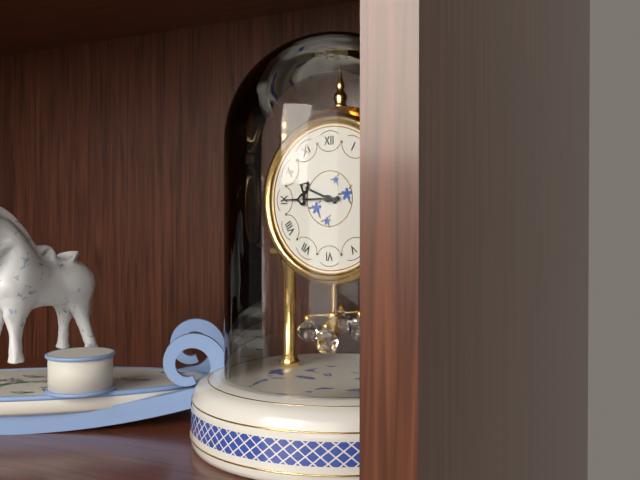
9:45
